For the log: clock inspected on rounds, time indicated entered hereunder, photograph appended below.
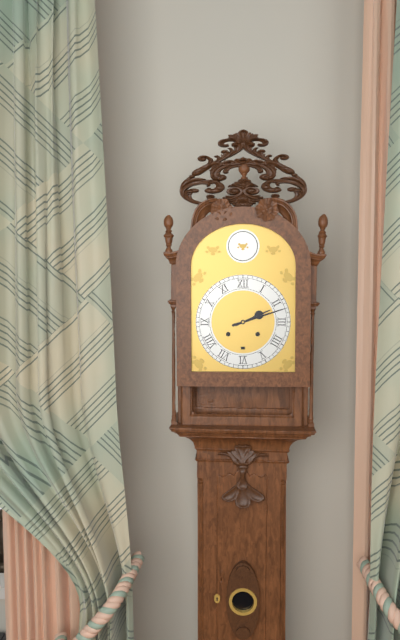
2:12
